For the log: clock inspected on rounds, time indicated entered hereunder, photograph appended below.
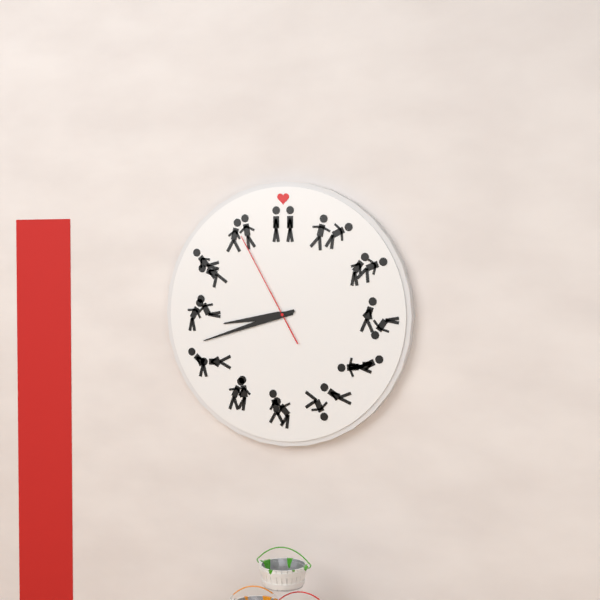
8:42:55
